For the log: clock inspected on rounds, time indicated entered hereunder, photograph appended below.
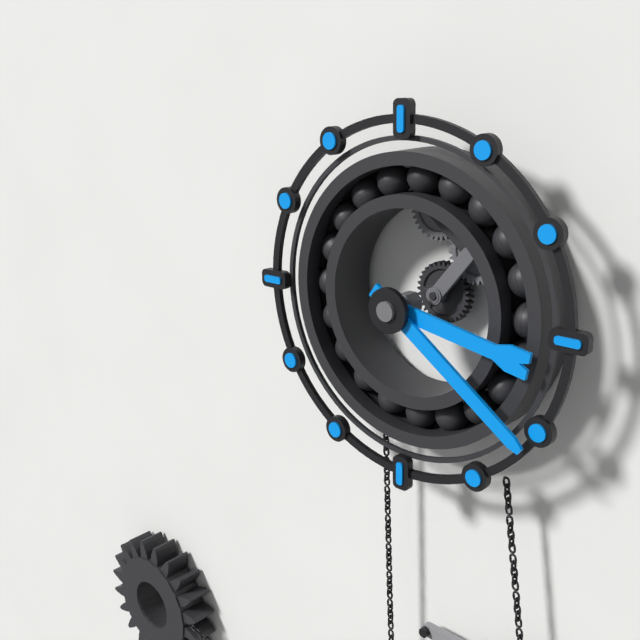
3:21
